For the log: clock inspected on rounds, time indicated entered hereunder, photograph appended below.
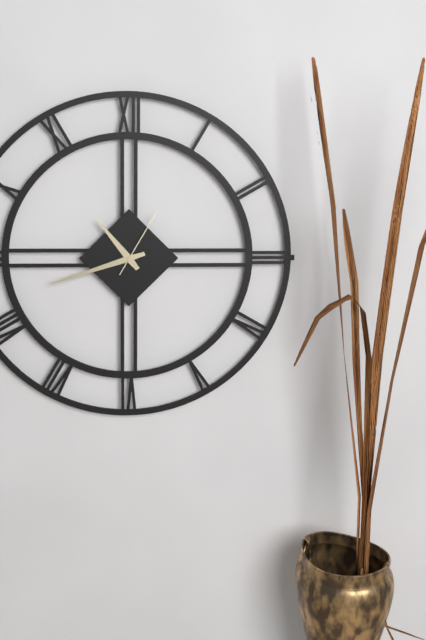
10:42:05
